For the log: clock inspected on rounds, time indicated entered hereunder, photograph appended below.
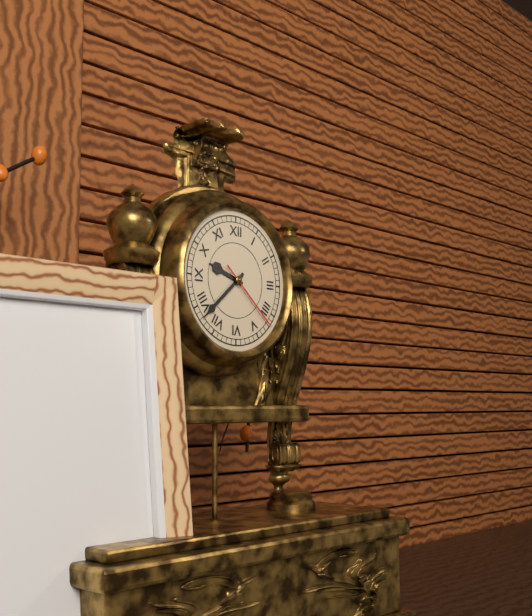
9:38:22
